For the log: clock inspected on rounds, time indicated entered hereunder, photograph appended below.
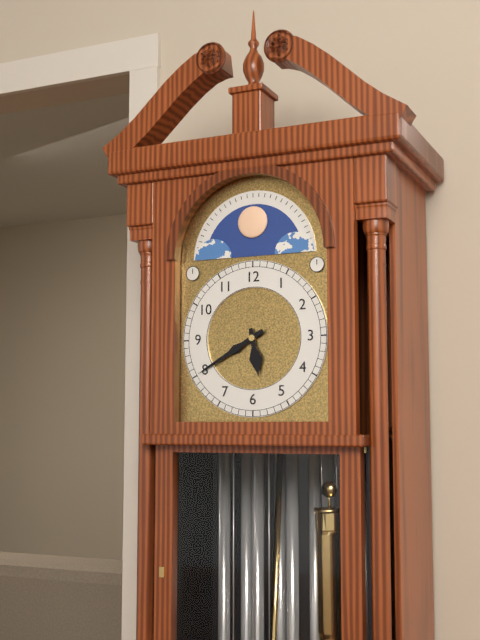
5:40
